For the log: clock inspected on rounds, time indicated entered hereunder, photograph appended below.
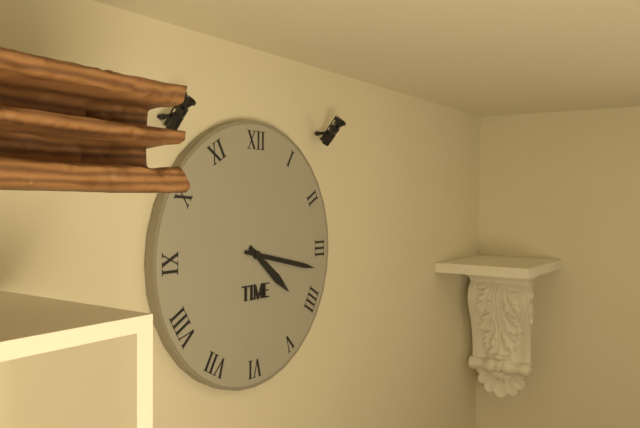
4:17
